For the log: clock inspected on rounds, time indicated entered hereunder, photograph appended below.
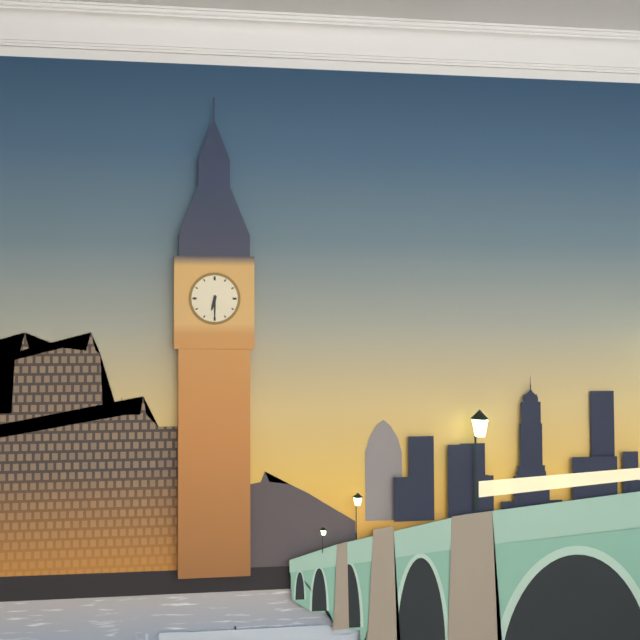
6:30
